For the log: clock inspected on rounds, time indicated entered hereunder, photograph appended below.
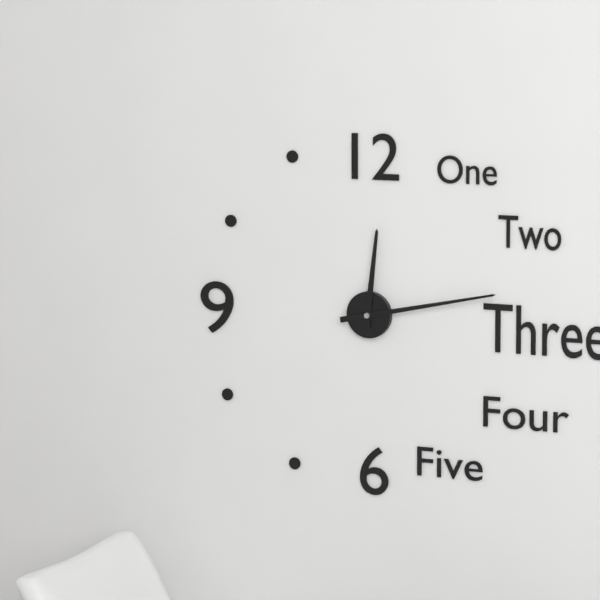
12:13
